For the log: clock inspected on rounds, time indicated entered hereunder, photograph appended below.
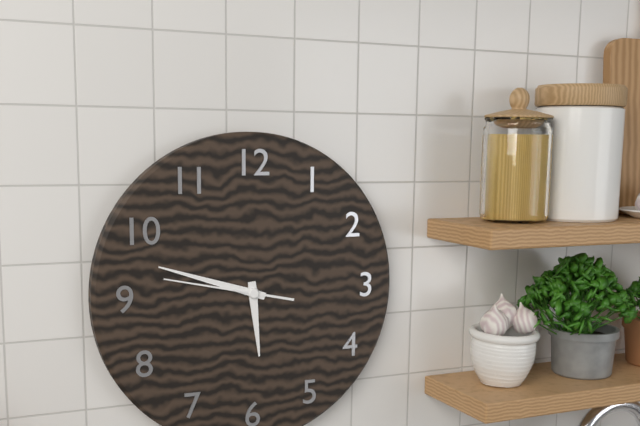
5:48:47
